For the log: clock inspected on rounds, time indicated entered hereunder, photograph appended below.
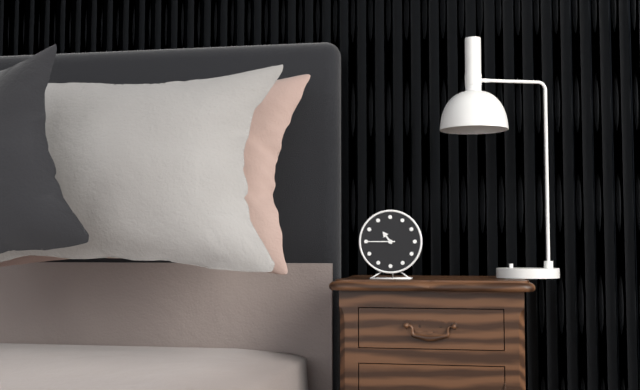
10:45
